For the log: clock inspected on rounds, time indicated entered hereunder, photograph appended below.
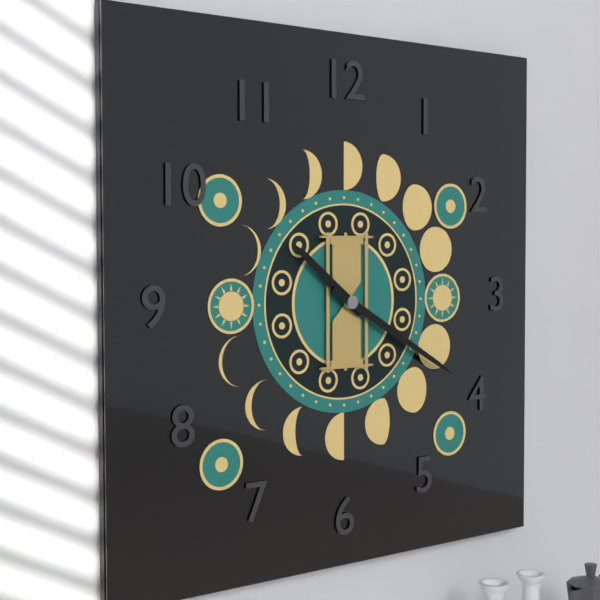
10:20
